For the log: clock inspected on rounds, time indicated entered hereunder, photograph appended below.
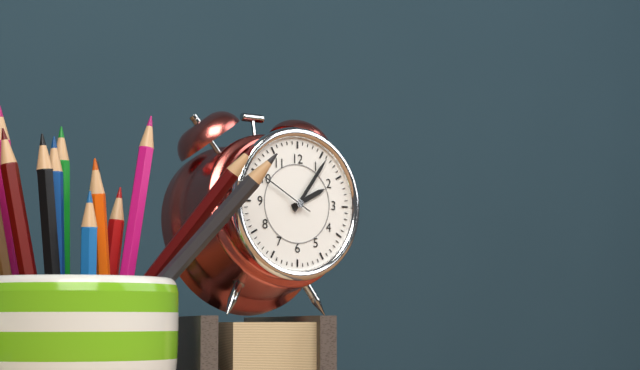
2:06:50
